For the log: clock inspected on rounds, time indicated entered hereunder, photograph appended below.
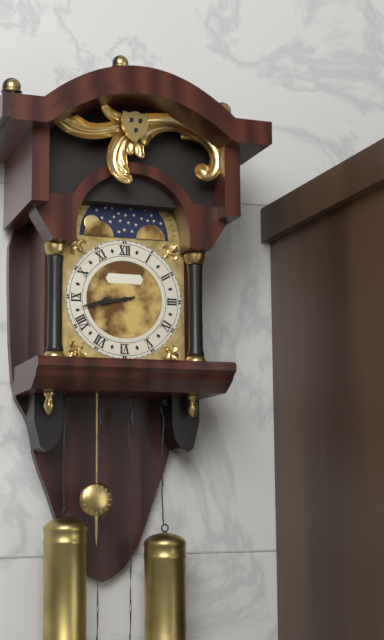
8:43
